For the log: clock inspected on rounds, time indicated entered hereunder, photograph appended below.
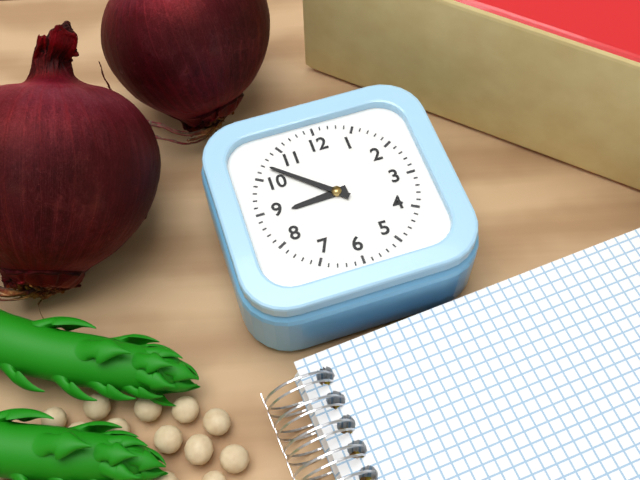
8:52
